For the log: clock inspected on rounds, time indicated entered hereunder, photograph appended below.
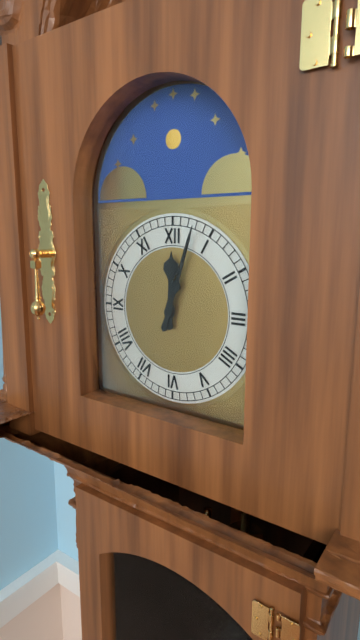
12:03
